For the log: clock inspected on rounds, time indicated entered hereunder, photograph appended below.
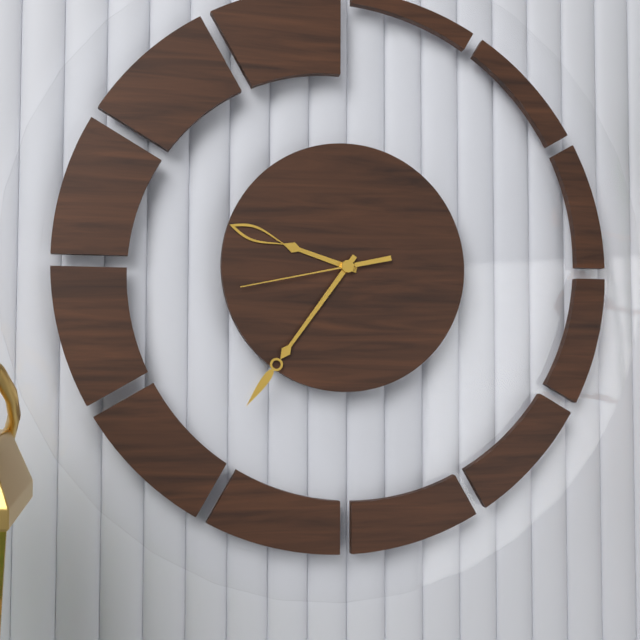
9:36:43
